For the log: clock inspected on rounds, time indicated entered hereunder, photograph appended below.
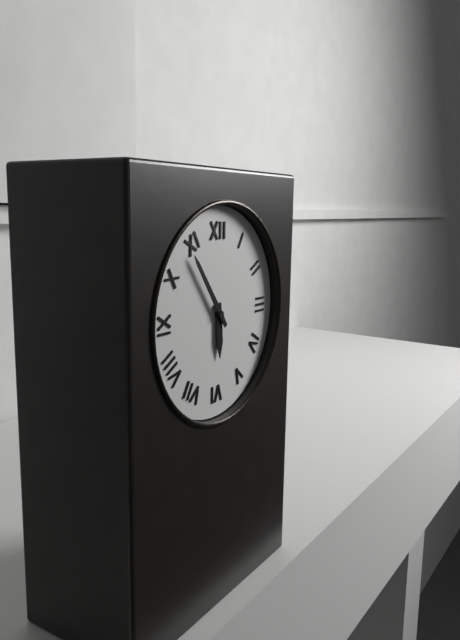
5:54
